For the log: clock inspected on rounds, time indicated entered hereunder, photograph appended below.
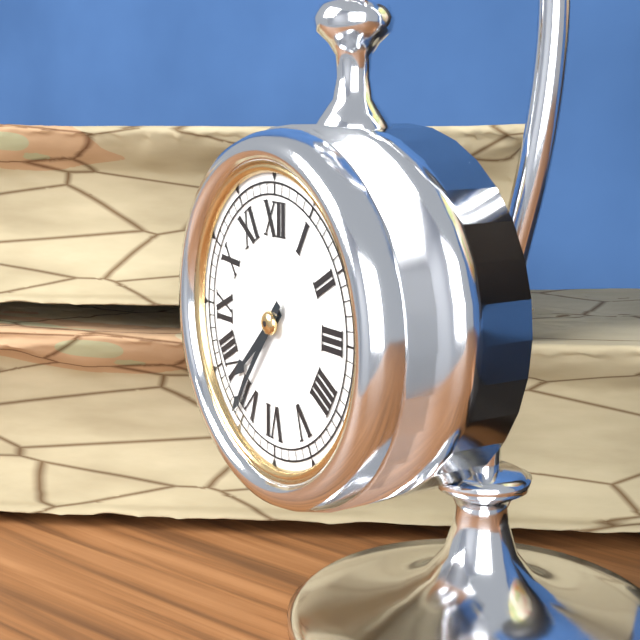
7:36
